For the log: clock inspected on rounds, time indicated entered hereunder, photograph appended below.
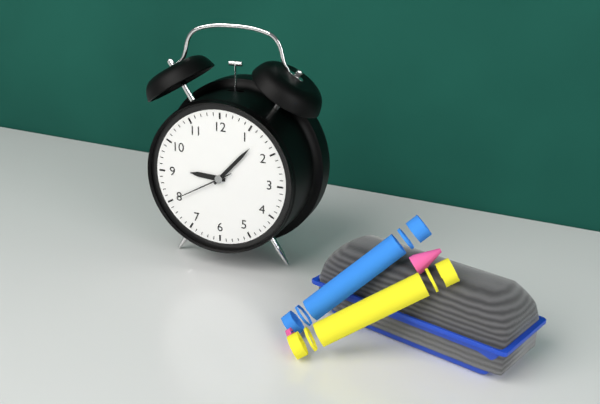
9:07:40
